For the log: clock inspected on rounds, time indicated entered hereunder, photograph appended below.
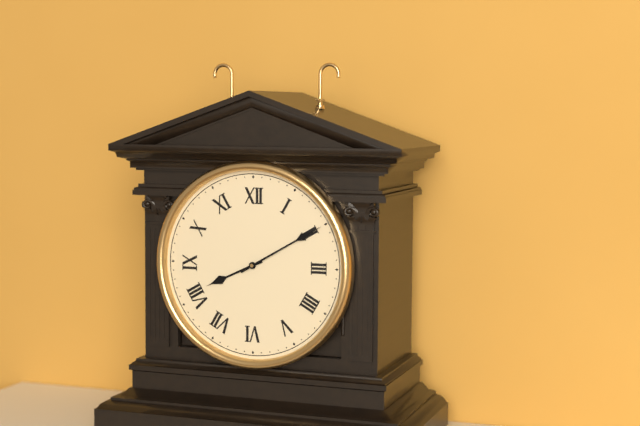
8:10
